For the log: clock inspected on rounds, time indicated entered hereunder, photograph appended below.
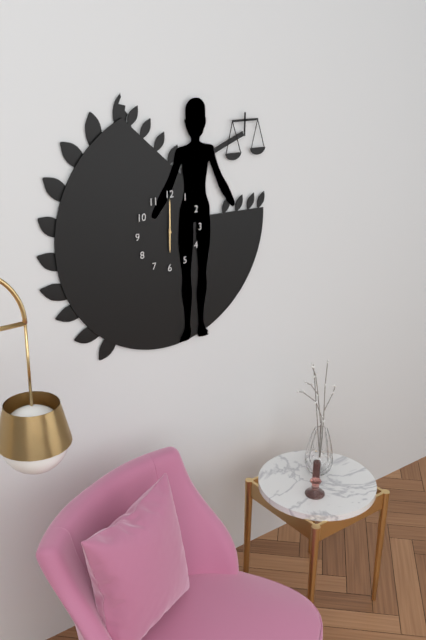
6:00
